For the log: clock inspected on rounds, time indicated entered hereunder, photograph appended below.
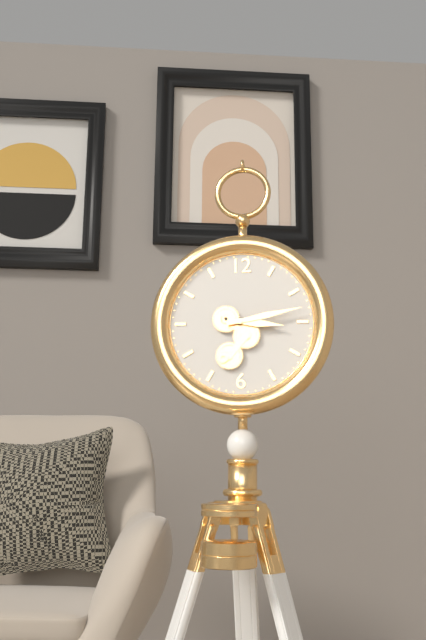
3:13
